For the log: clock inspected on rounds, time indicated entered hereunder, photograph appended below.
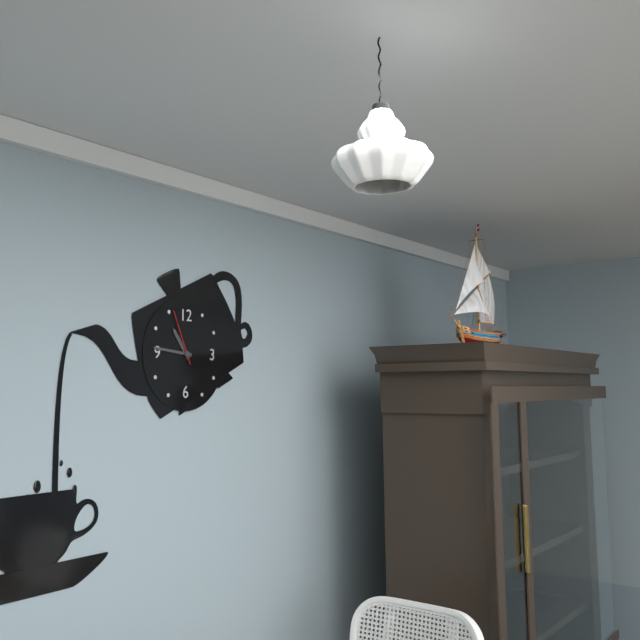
10:46:56
